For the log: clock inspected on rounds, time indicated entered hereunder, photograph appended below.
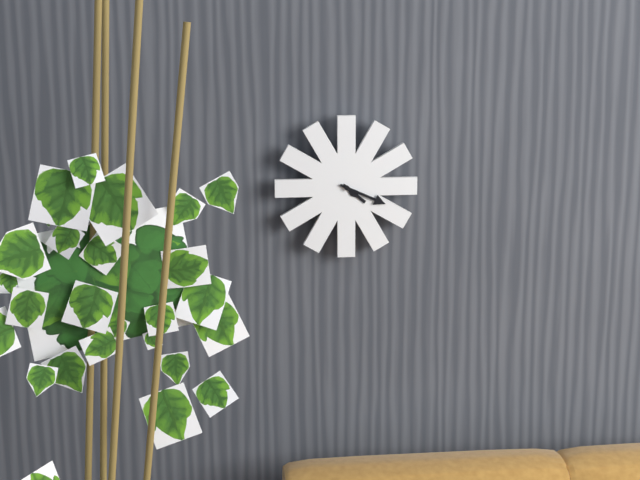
4:19
